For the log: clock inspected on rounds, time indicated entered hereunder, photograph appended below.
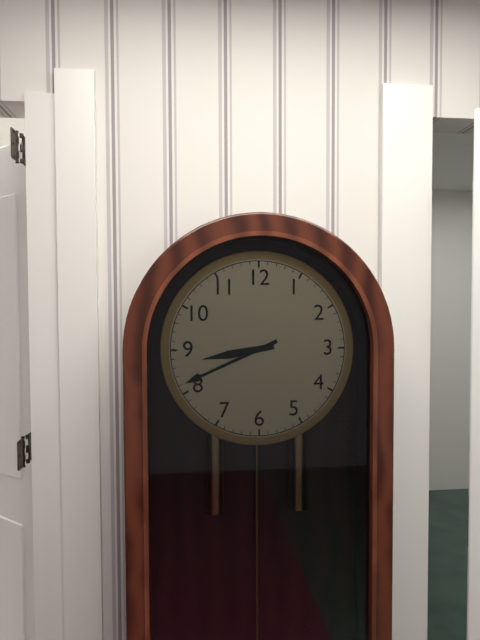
8:41
